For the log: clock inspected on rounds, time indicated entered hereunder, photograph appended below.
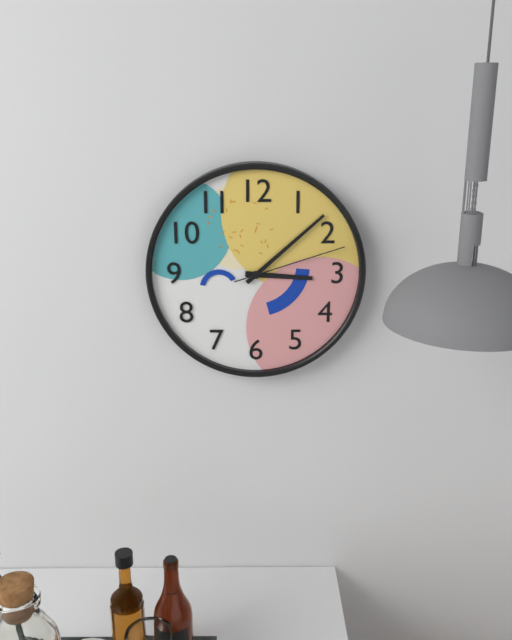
3:08:12
